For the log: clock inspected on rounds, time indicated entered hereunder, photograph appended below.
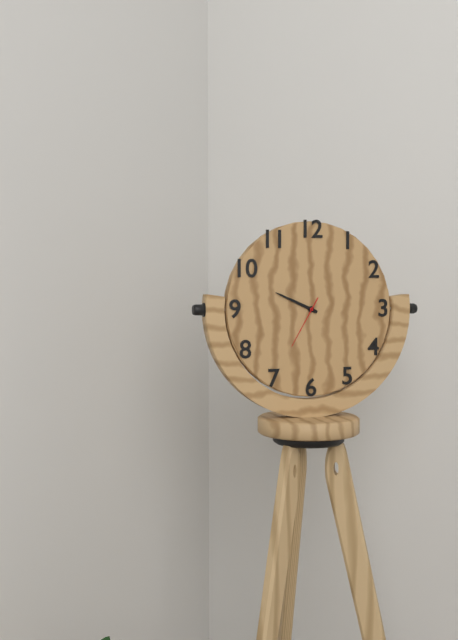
9:49:35
